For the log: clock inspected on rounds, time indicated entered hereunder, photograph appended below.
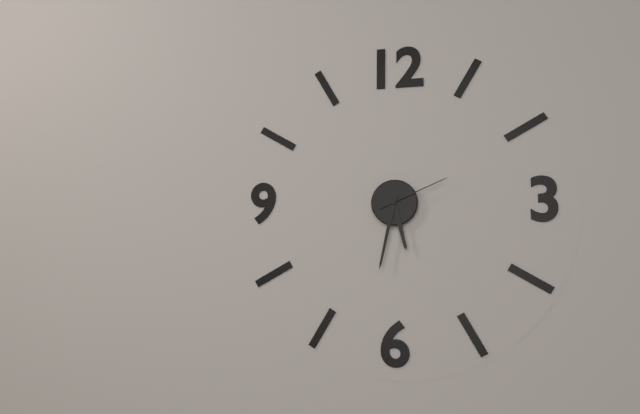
5:32:11
